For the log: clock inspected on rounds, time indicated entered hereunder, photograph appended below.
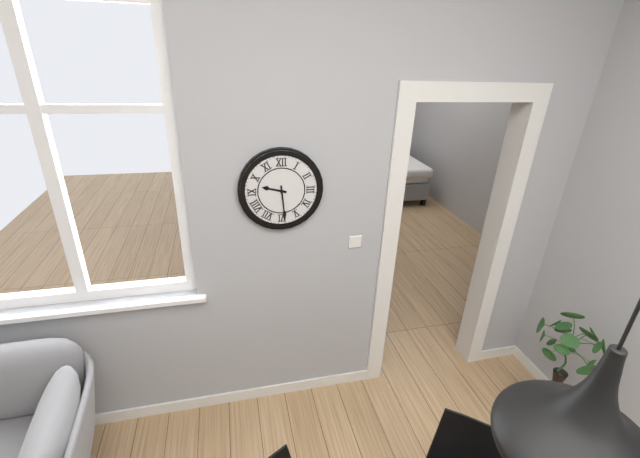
9:29
